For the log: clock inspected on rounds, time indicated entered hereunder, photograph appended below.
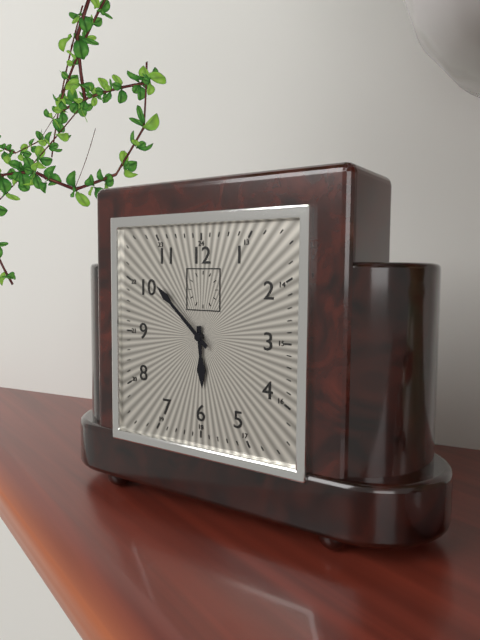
5:52
